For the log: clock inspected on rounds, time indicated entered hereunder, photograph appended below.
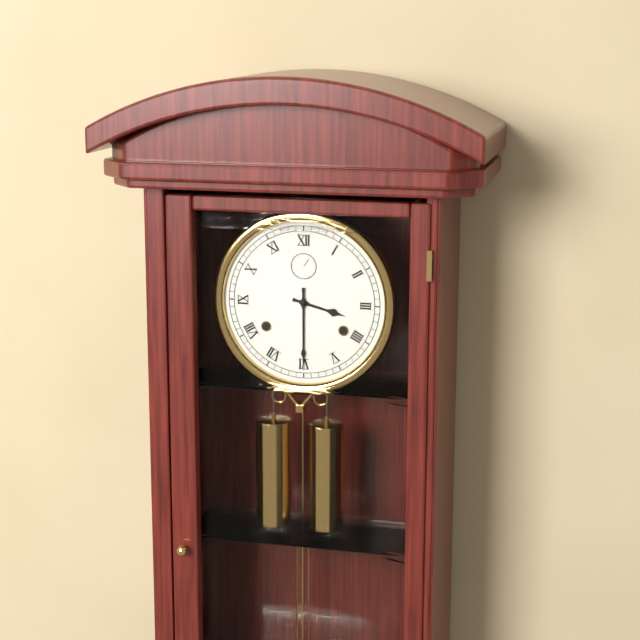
3:30
